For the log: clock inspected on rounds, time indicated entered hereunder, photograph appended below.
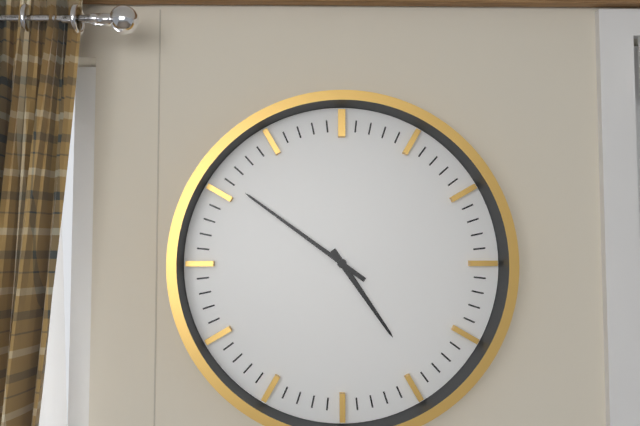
4:51
